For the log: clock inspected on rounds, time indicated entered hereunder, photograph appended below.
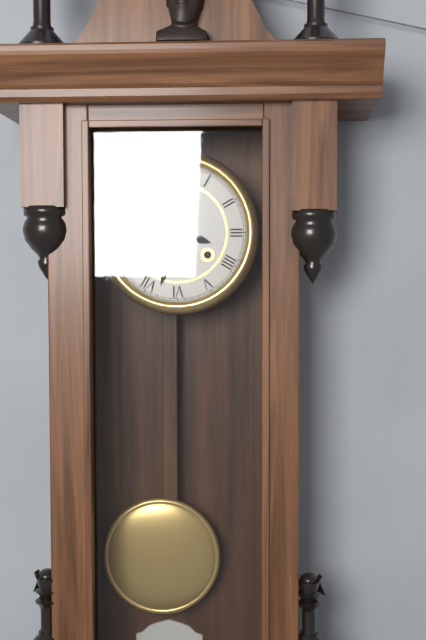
3:33
